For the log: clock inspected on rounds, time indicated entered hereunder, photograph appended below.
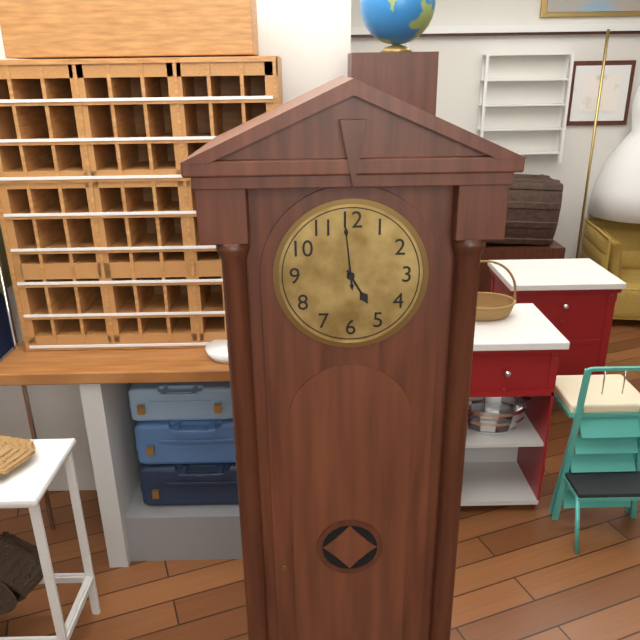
4:59
